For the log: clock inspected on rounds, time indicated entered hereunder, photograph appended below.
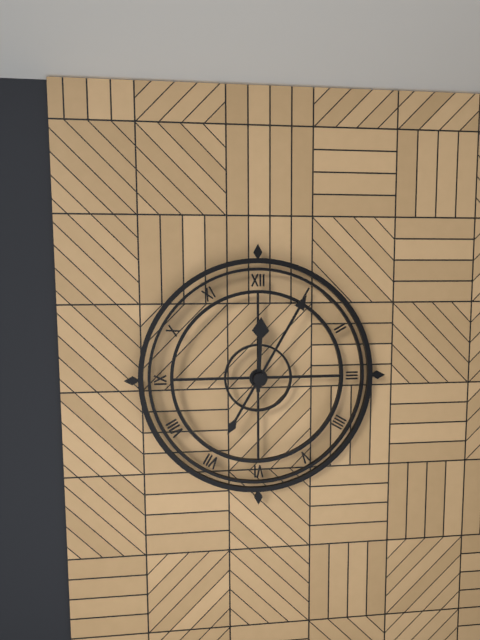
12:05
